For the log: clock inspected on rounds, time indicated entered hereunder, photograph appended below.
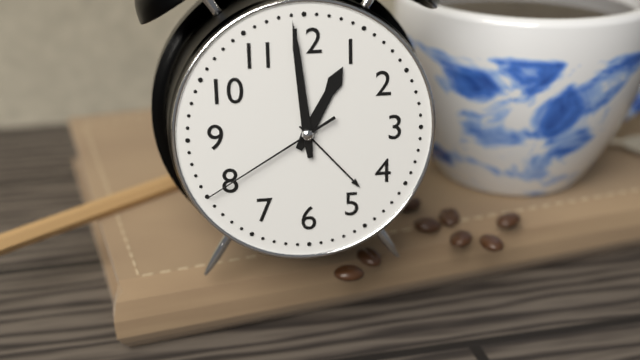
12:59:40
